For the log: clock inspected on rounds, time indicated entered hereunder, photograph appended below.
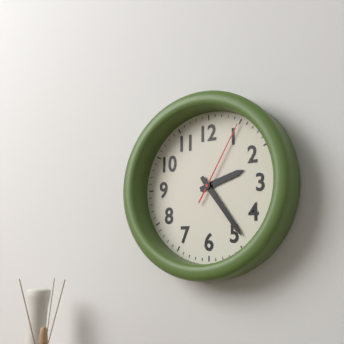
2:24:05
